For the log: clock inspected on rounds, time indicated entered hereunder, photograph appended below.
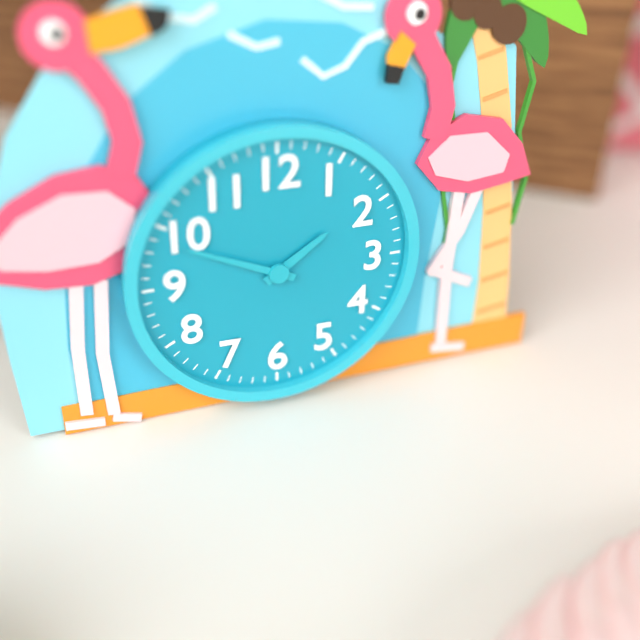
1:49
